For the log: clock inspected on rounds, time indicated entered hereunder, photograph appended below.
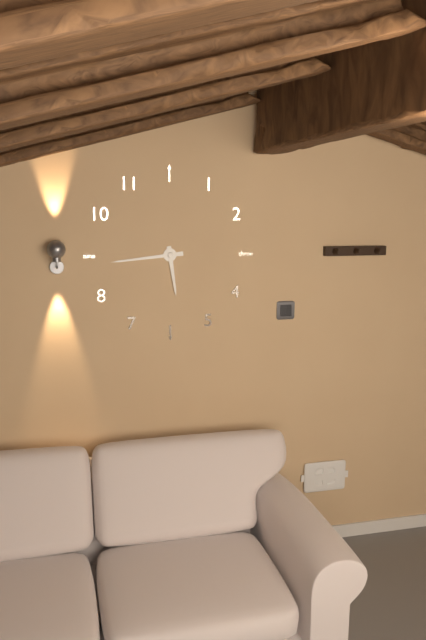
5:44
